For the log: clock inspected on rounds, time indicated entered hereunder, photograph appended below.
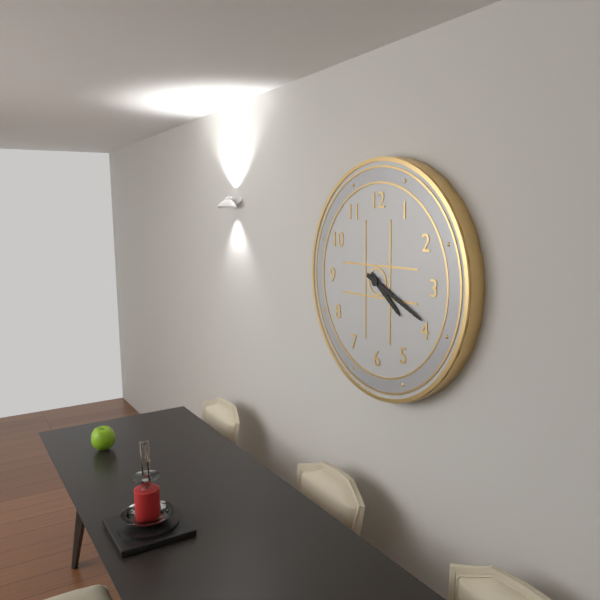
4:19
